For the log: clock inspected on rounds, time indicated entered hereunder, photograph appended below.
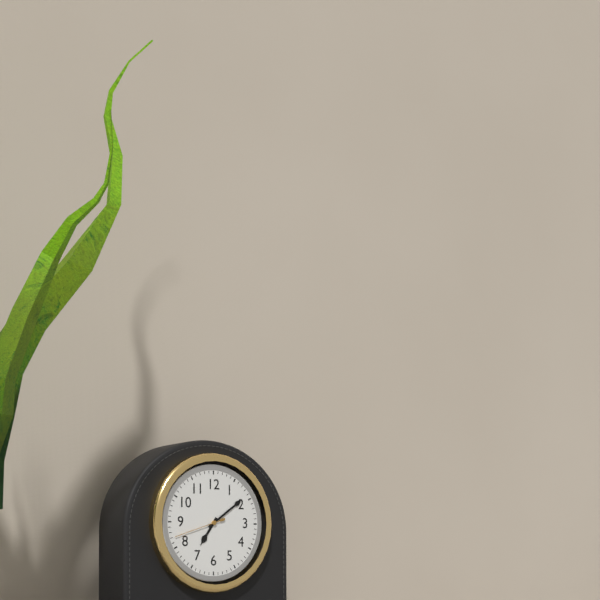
7:09:42
